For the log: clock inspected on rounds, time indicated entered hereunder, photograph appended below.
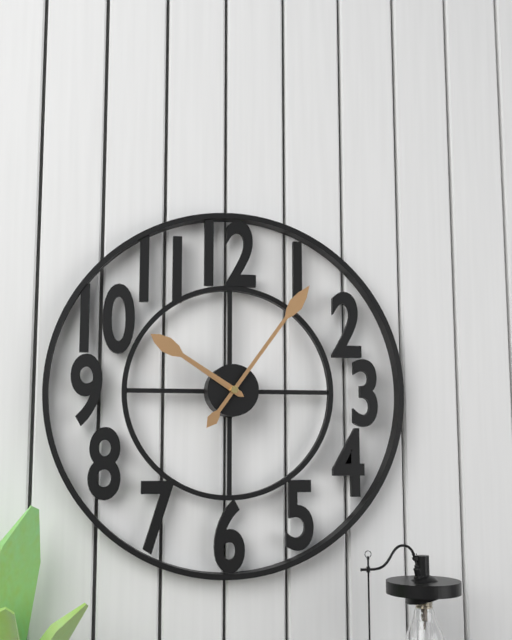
10:06
